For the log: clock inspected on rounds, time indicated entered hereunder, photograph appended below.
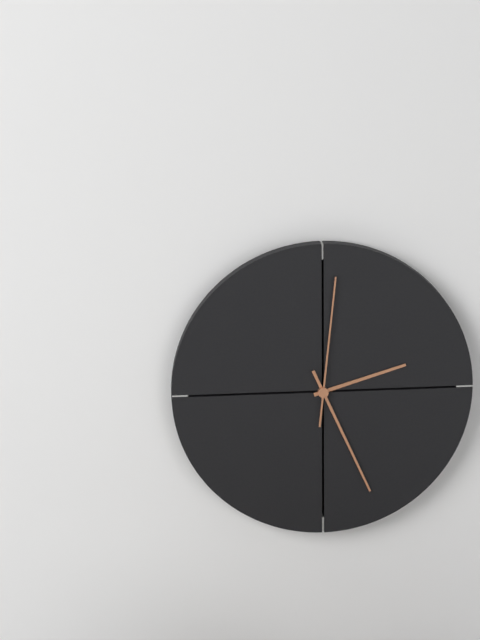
2:26:01
